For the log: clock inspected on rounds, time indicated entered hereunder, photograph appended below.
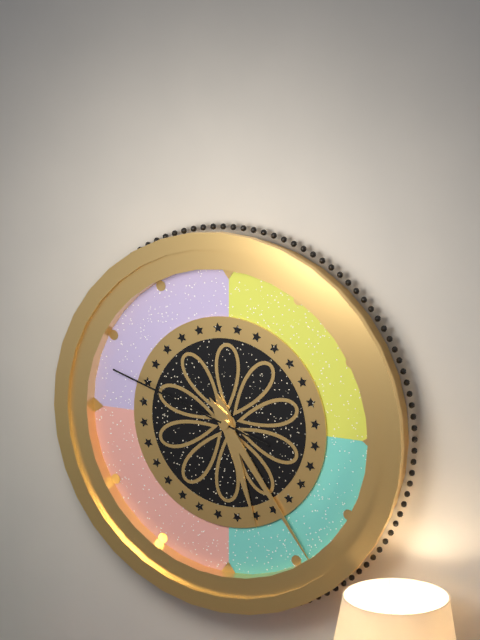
5:24:48
